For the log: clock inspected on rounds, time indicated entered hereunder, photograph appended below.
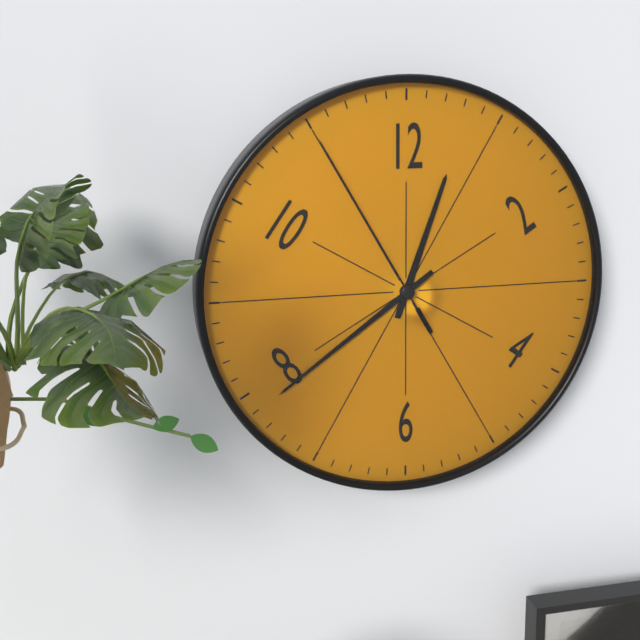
12:39:55
